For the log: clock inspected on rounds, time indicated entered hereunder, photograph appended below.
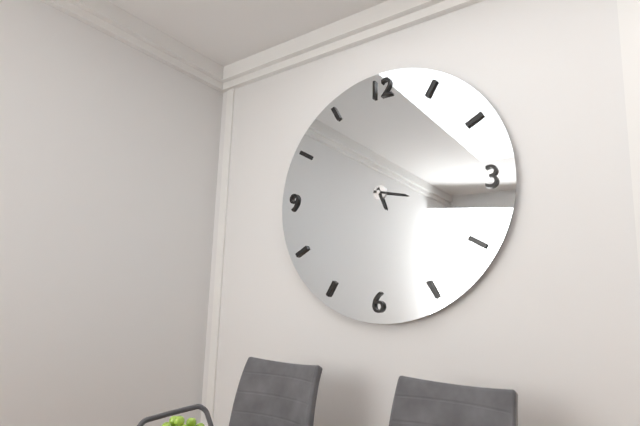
5:17
